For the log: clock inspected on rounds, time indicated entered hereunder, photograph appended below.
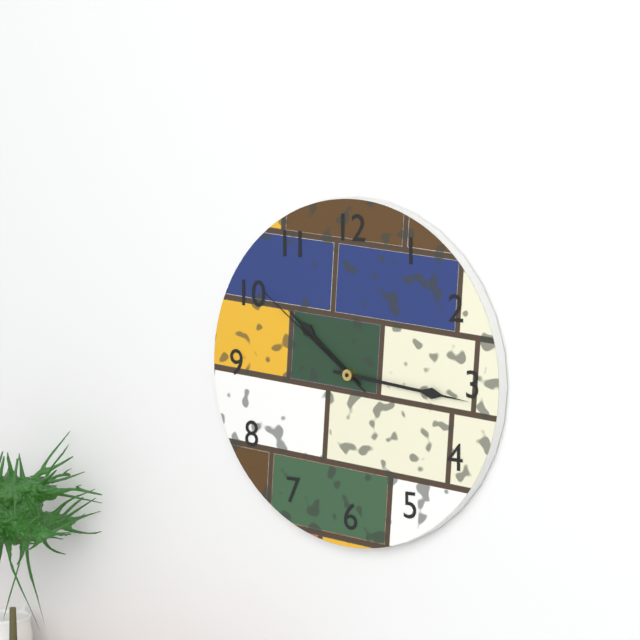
10:16:51
